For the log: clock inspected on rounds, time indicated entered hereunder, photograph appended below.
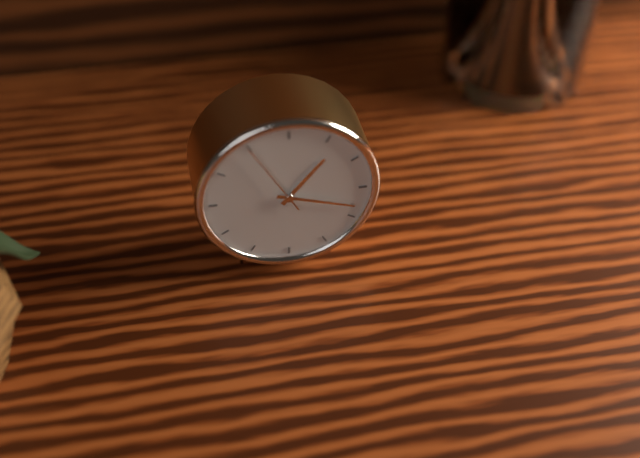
1:18:55
